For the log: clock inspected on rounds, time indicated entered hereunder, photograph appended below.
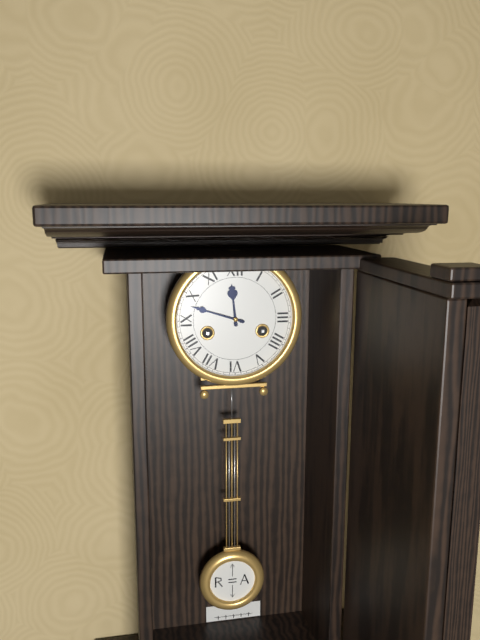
11:48
